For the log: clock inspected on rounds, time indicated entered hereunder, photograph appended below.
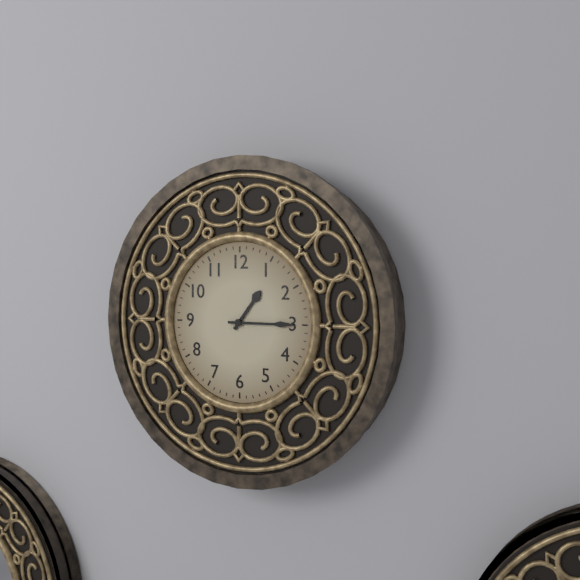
1:15
